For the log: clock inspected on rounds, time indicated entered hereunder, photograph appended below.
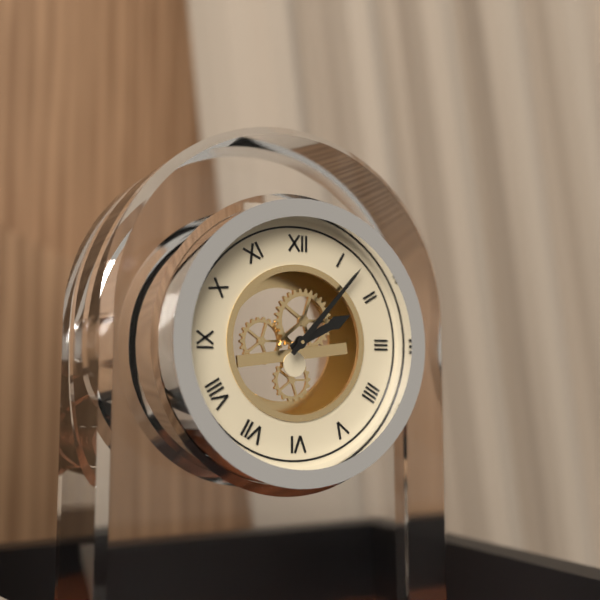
2:07
